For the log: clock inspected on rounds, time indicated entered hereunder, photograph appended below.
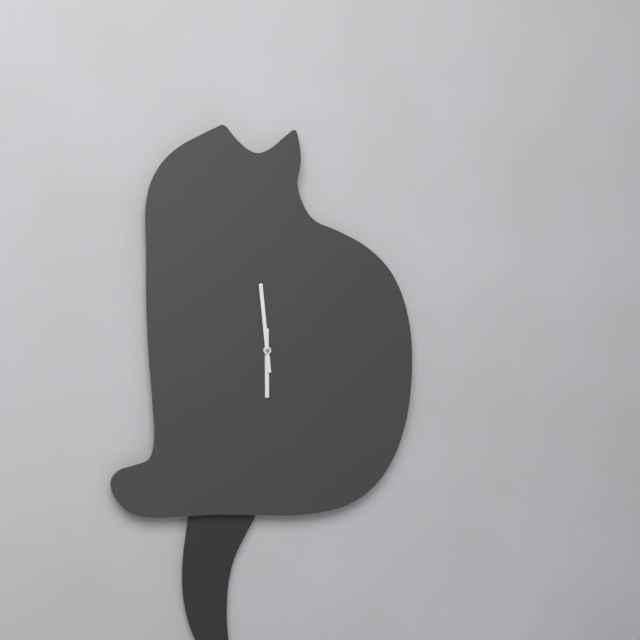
5:59
